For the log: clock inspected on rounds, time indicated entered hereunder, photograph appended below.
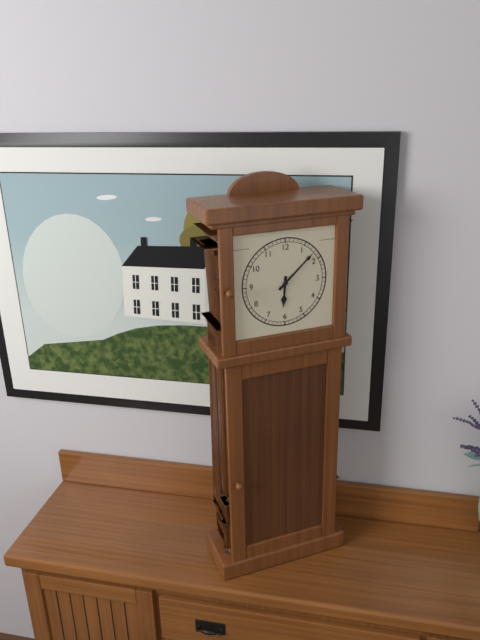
6:08
